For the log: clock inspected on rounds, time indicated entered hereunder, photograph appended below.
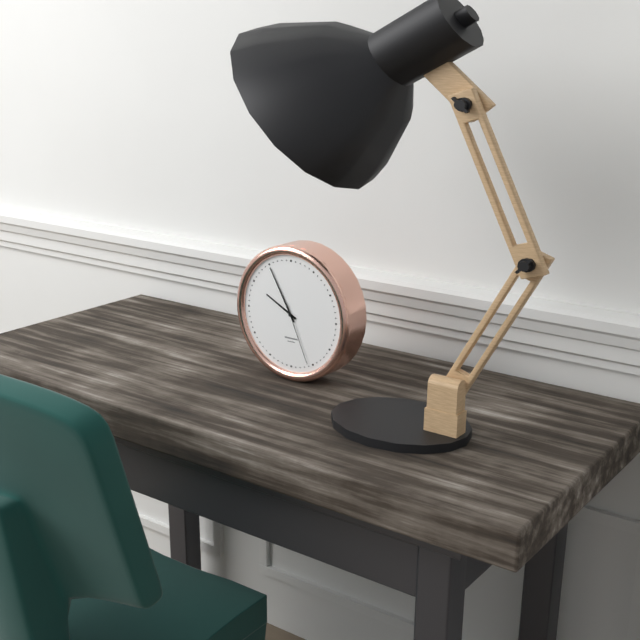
9:55:26
